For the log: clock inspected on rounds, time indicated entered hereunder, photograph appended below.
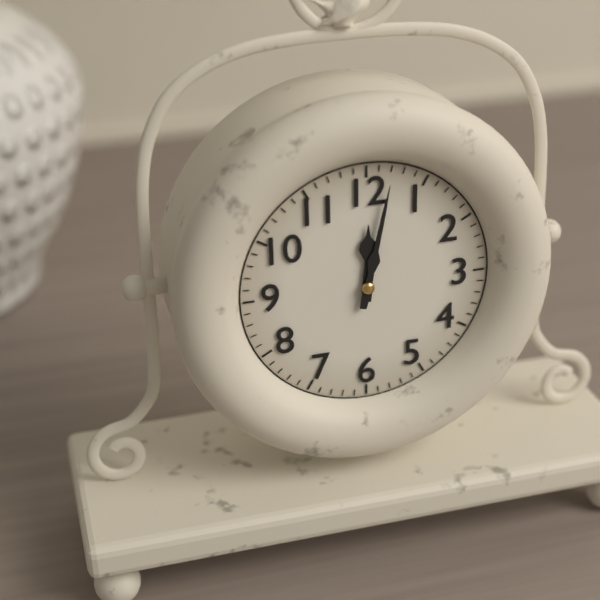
12:02
